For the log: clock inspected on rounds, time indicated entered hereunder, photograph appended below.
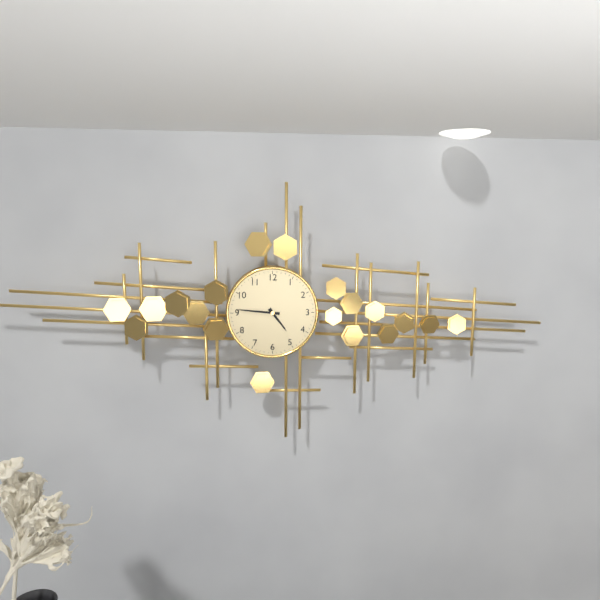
4:46
